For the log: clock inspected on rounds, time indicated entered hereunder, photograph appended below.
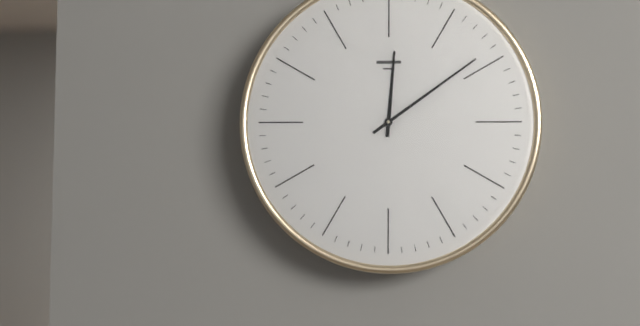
12:09
